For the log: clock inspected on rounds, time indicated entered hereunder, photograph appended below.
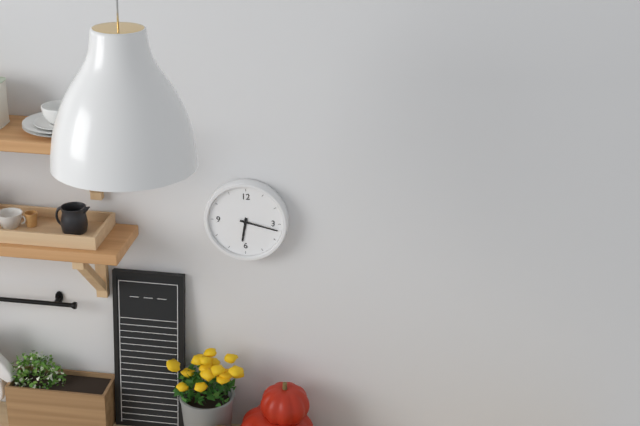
6:17
